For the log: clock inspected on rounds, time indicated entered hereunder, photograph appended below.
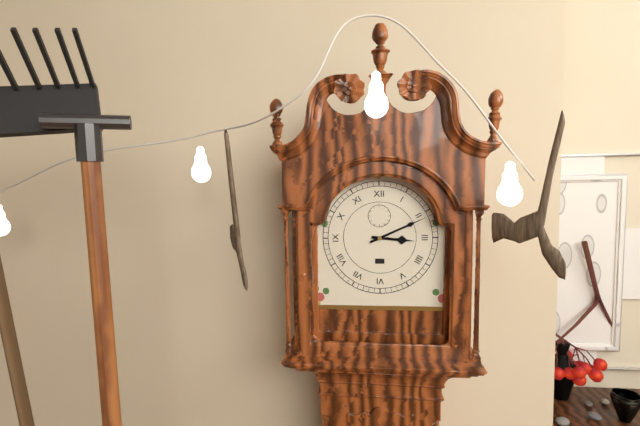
3:11
